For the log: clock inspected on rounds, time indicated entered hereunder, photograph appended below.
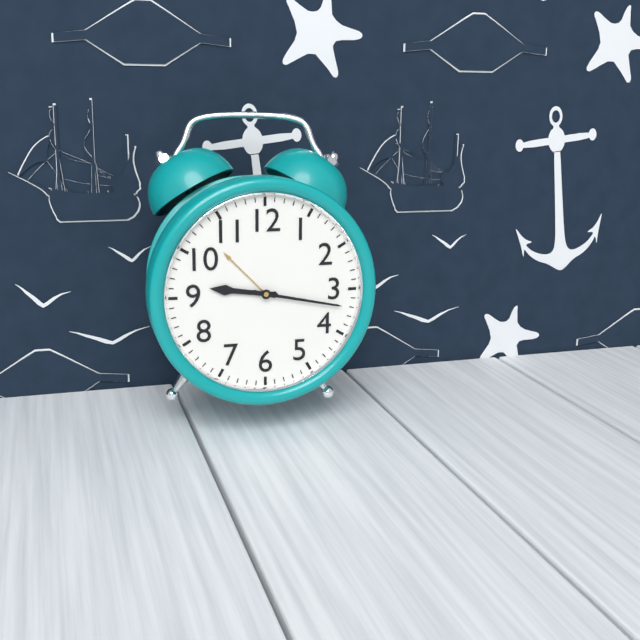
9:17
